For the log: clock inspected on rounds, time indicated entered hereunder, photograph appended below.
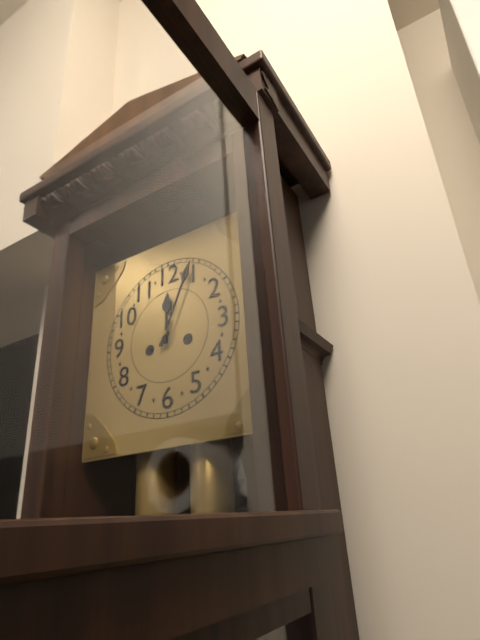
12:04
